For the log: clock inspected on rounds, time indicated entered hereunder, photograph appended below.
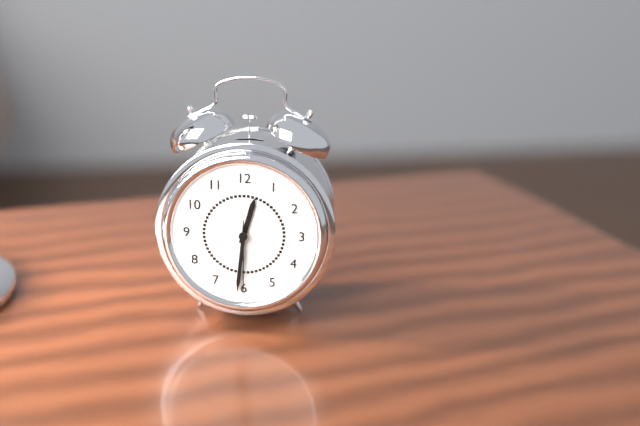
12:31:30
